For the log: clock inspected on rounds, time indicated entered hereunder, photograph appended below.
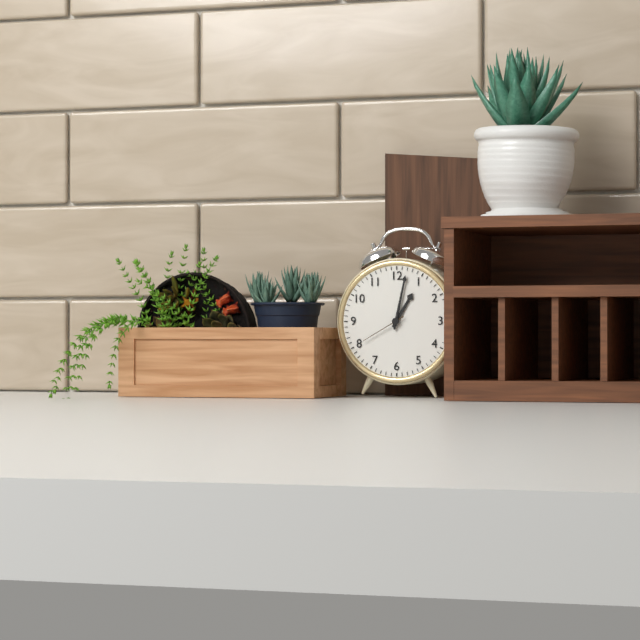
1:02
